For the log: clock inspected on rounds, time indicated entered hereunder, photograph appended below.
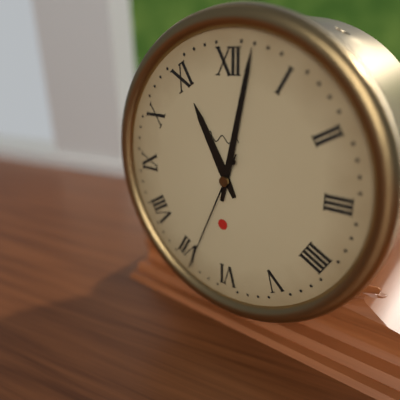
11:02:34
